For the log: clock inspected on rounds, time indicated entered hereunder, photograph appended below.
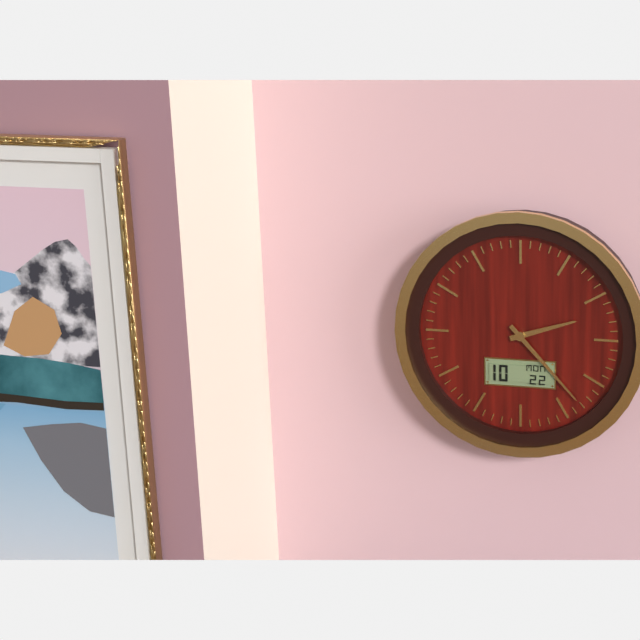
2:23
